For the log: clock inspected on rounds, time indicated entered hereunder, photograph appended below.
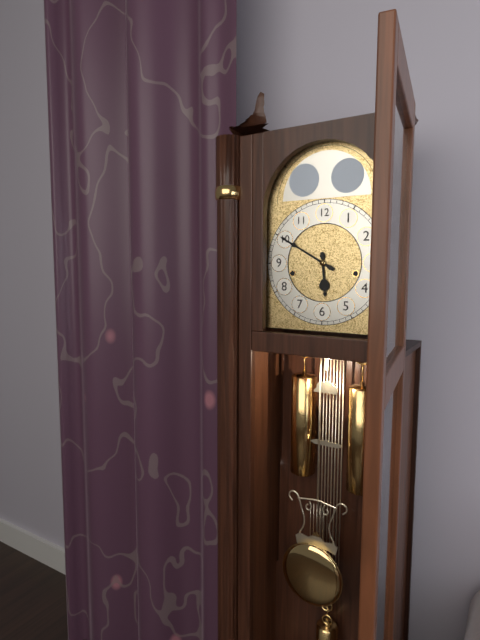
5:50
